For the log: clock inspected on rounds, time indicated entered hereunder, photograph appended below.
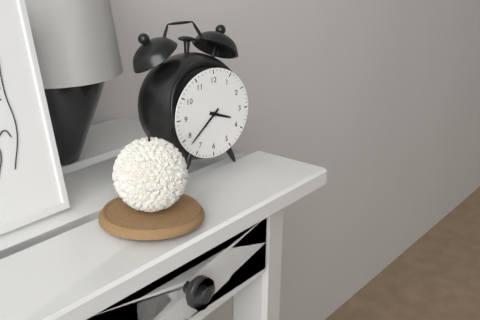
3:38
